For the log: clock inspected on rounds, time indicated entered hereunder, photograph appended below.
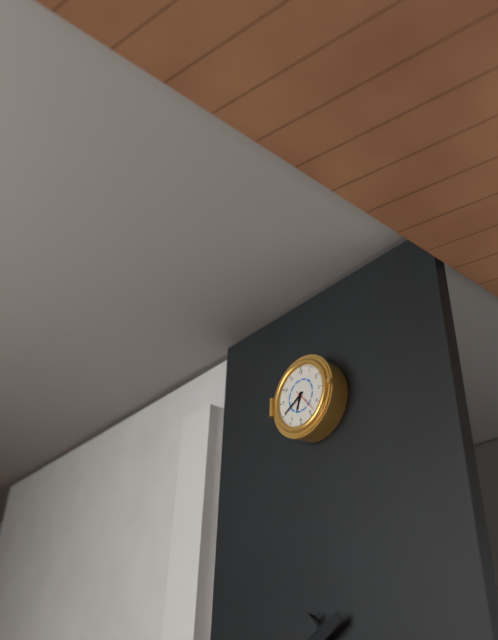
6:40
